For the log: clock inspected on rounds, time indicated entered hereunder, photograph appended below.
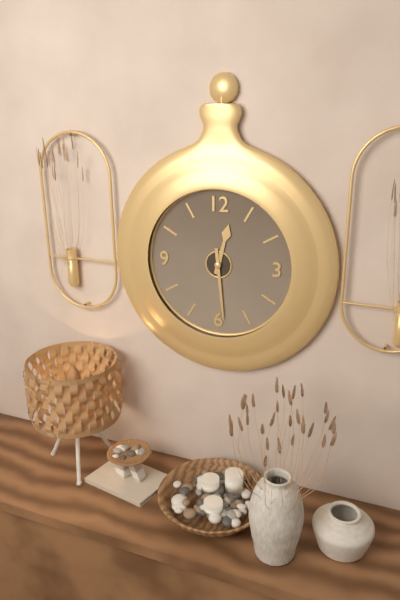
12:29
